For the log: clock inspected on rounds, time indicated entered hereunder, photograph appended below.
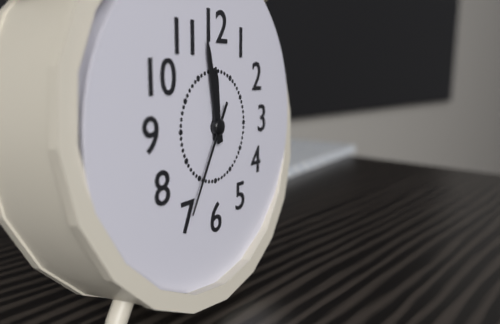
11:58:35
